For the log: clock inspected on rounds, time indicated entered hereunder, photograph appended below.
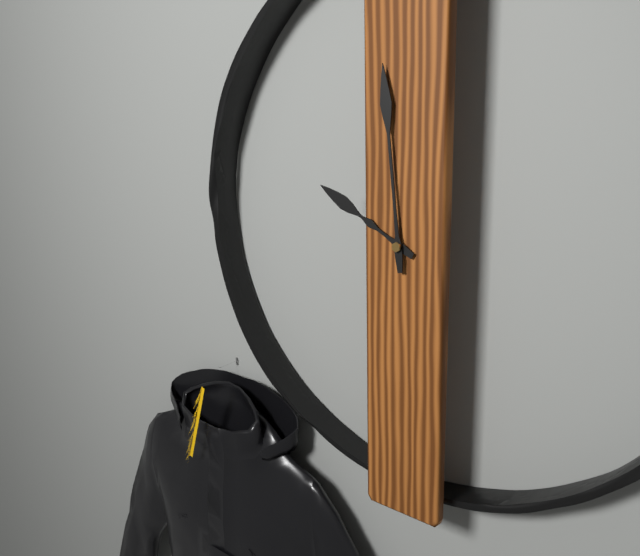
9:59
